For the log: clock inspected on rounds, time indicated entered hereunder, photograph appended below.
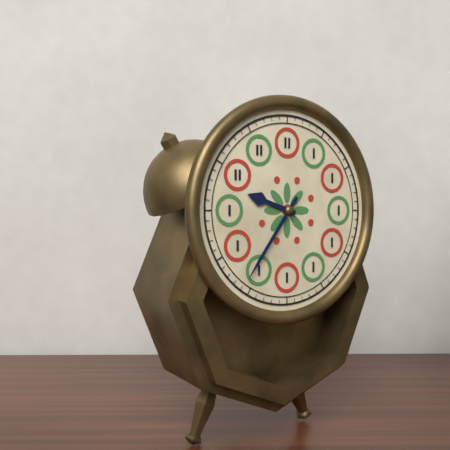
9:36
